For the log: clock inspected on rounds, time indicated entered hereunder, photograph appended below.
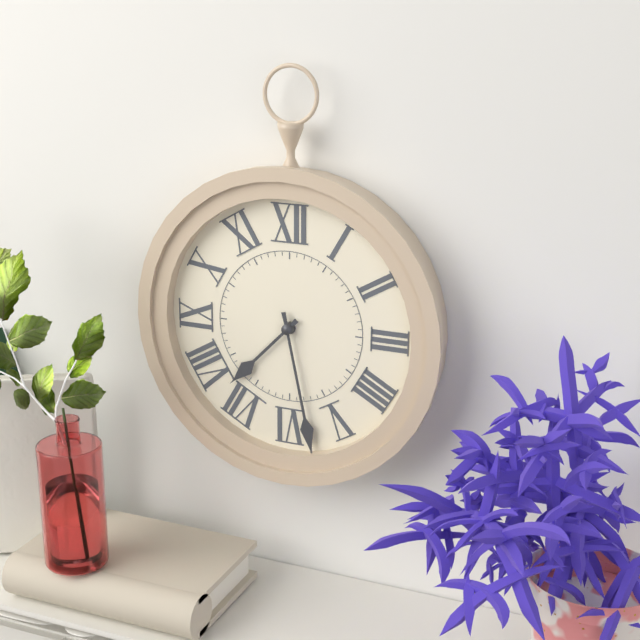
7:28
